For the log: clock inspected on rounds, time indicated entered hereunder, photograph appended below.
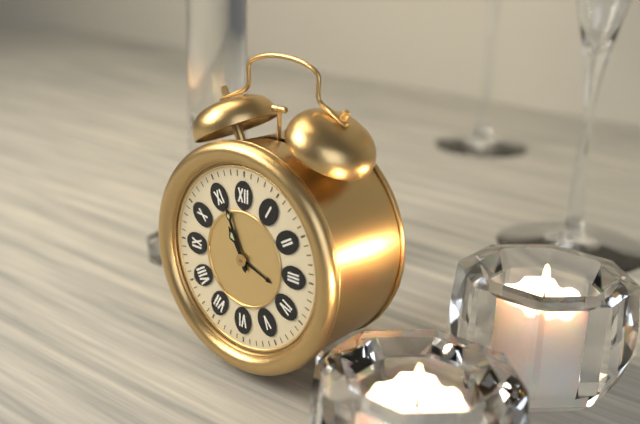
10:56
